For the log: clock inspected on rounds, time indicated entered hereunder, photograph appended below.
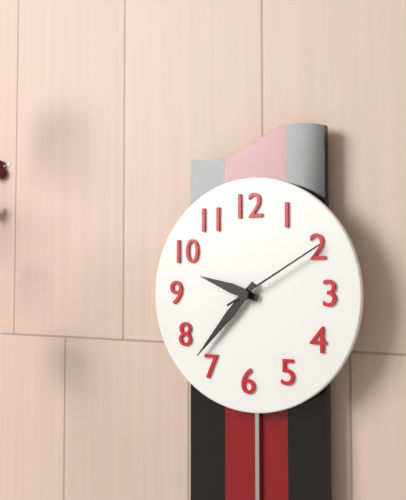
9:37:10
